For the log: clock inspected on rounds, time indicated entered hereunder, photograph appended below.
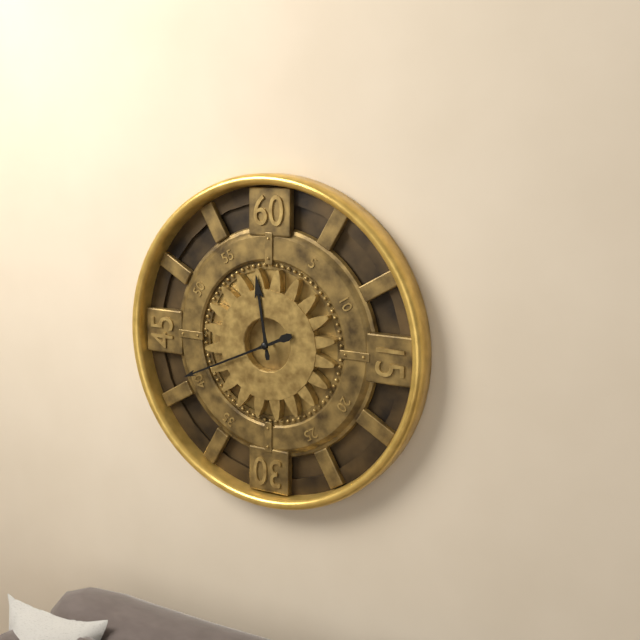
11:41
